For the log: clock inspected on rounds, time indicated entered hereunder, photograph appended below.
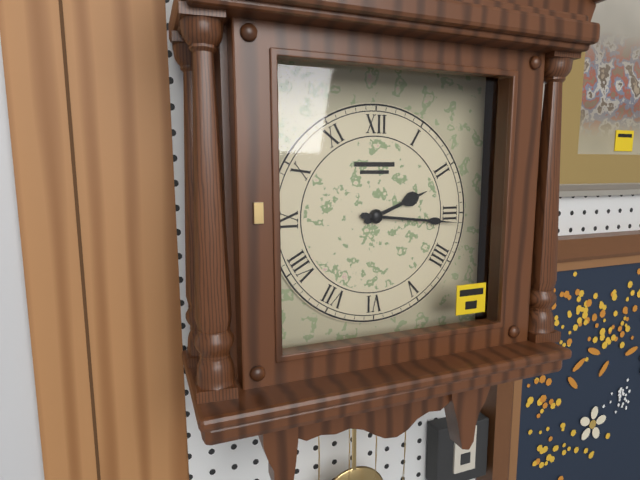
2:16
